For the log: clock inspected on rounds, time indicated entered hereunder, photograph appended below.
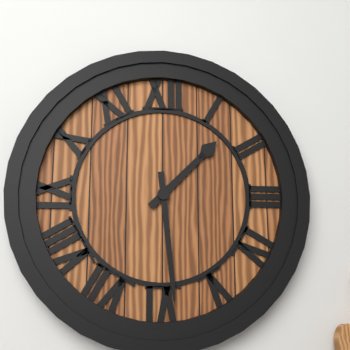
1:29
